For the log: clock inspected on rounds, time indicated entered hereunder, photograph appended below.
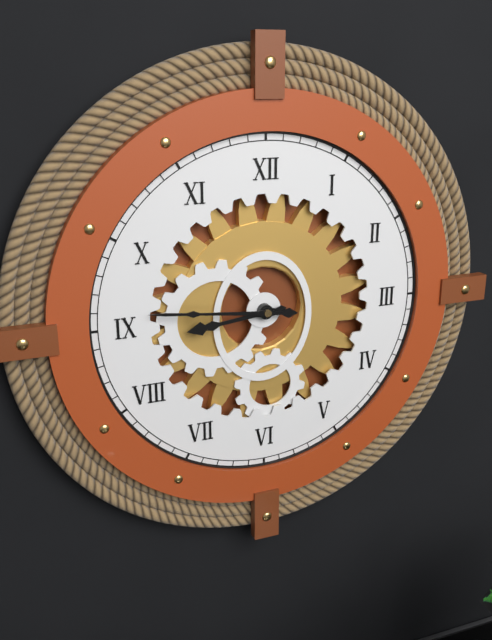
8:46
